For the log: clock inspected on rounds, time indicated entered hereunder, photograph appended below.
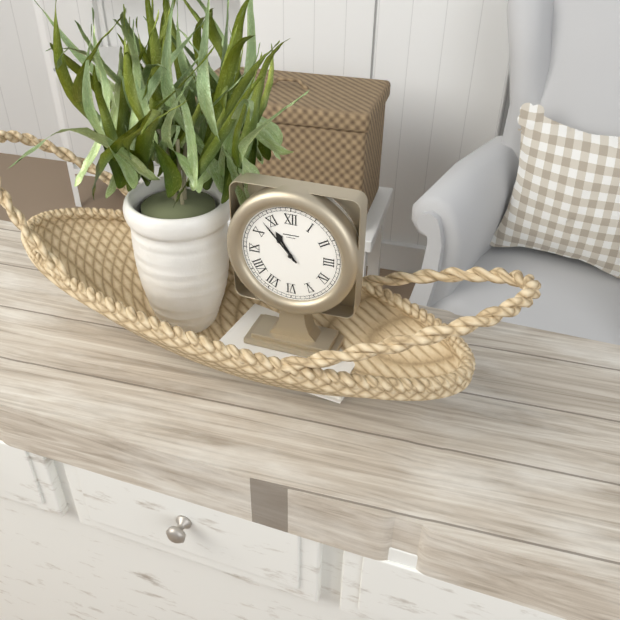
10:53
